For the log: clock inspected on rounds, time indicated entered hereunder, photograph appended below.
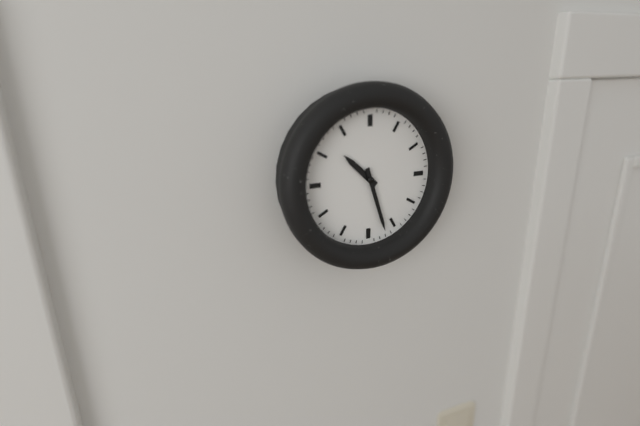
10:27
